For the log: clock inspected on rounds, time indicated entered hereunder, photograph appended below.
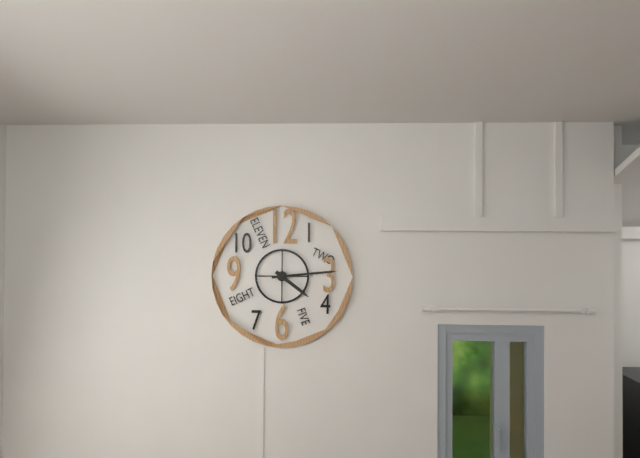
4:14
